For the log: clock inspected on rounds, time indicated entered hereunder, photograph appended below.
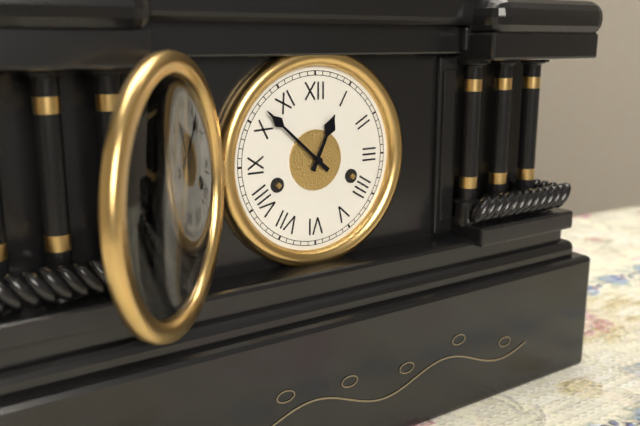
12:52
